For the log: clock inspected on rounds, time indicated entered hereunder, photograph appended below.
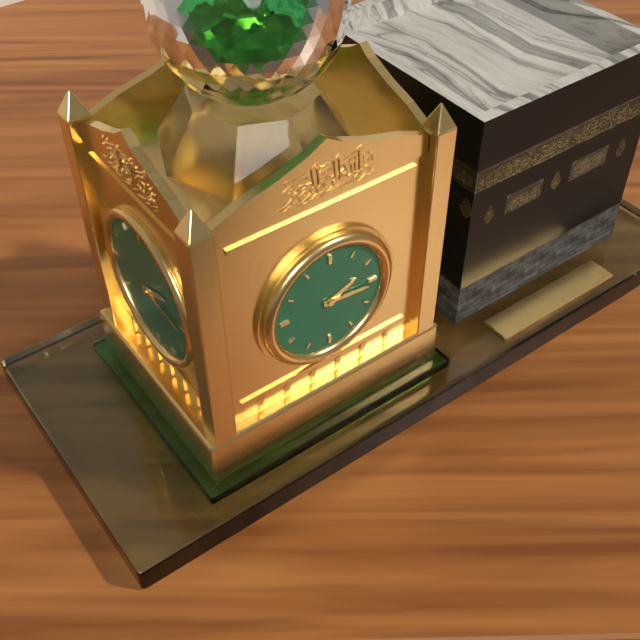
2:16
